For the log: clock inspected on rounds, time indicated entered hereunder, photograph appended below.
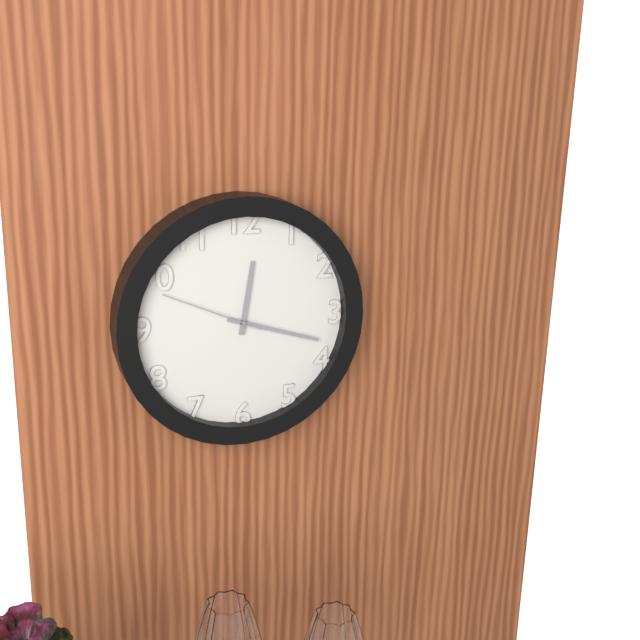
12:18:49
